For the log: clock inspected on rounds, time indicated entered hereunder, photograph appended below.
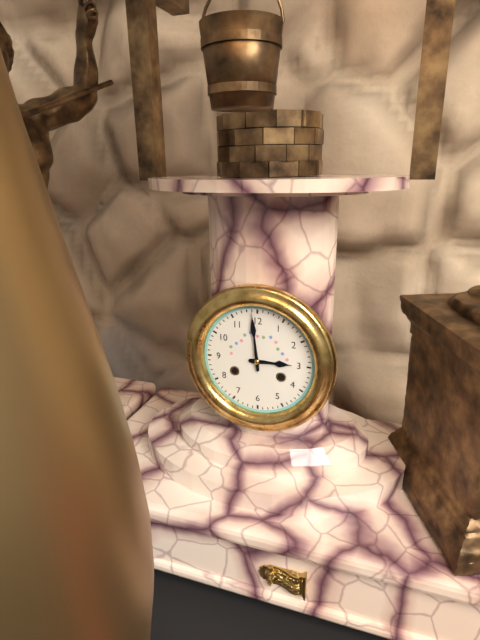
2:59
